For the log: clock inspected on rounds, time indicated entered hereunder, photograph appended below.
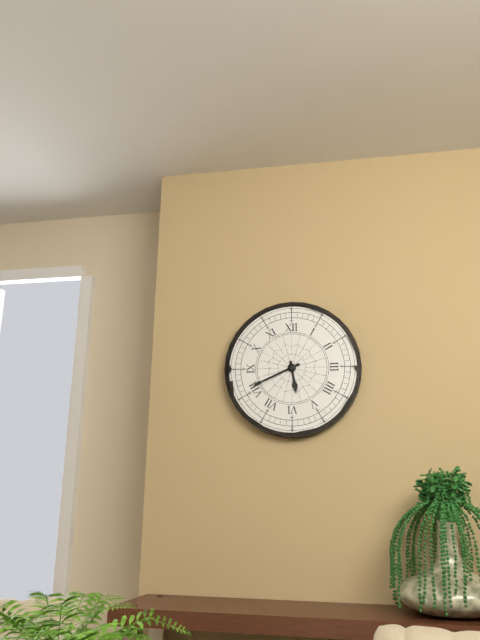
5:41
